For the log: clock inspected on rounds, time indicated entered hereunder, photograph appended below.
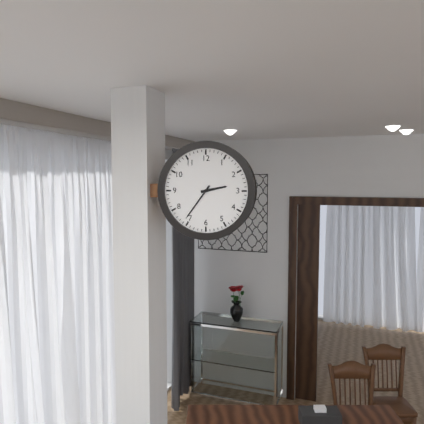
2:36
